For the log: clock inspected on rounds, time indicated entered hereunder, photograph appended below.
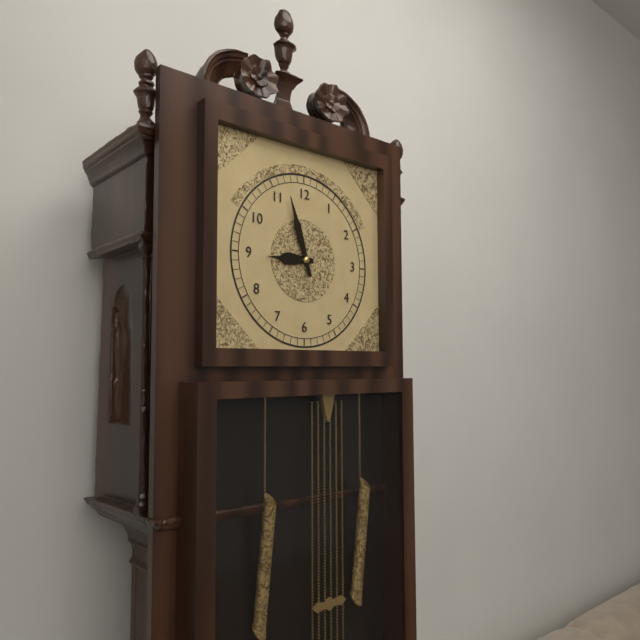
8:57
